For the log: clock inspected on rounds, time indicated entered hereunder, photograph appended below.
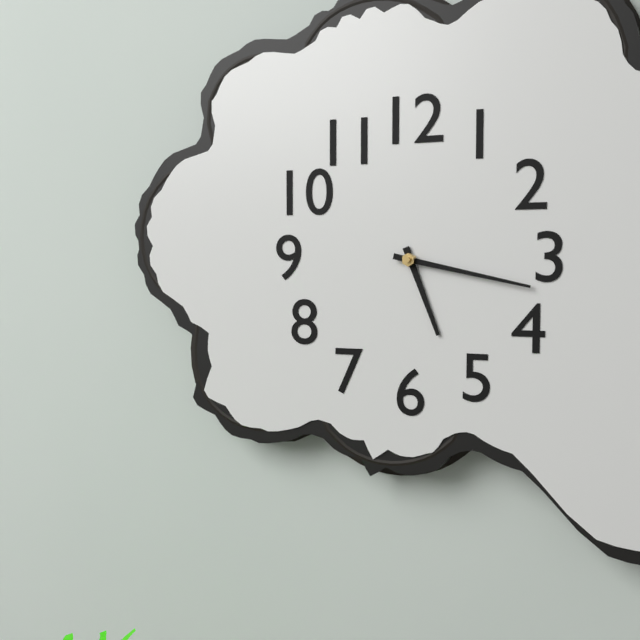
5:17
